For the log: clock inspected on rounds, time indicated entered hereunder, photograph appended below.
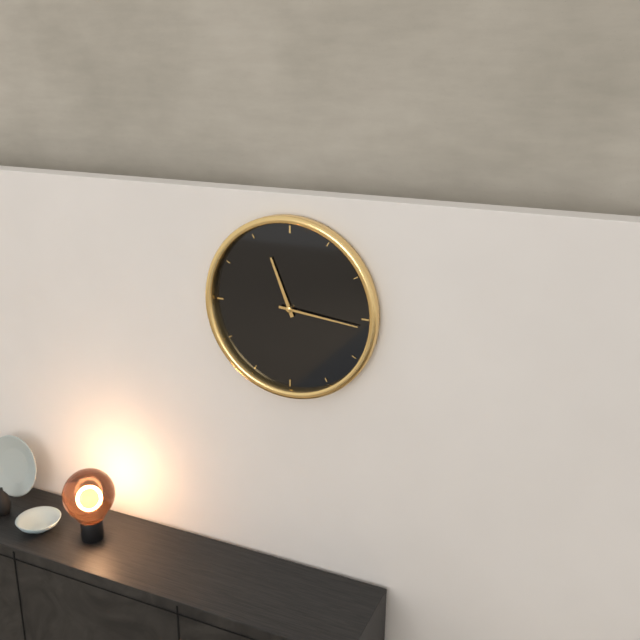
11:16
